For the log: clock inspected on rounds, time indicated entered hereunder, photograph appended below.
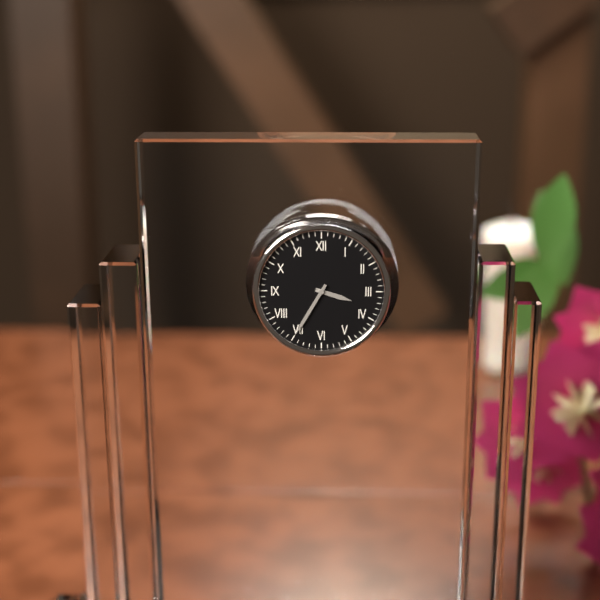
3:35
